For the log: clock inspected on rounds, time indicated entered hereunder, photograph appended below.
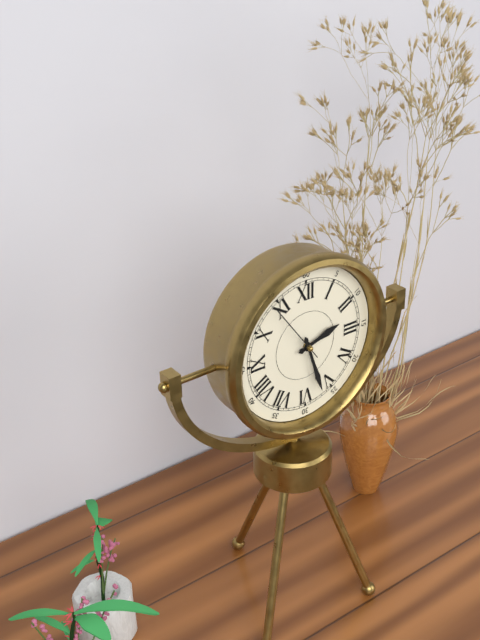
2:27
